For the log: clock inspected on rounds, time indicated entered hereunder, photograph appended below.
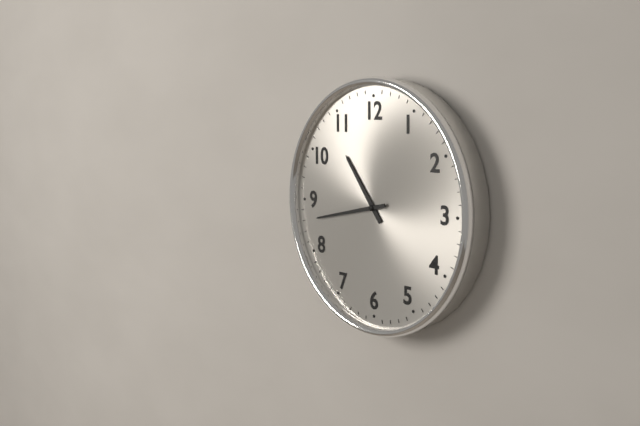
10:43
